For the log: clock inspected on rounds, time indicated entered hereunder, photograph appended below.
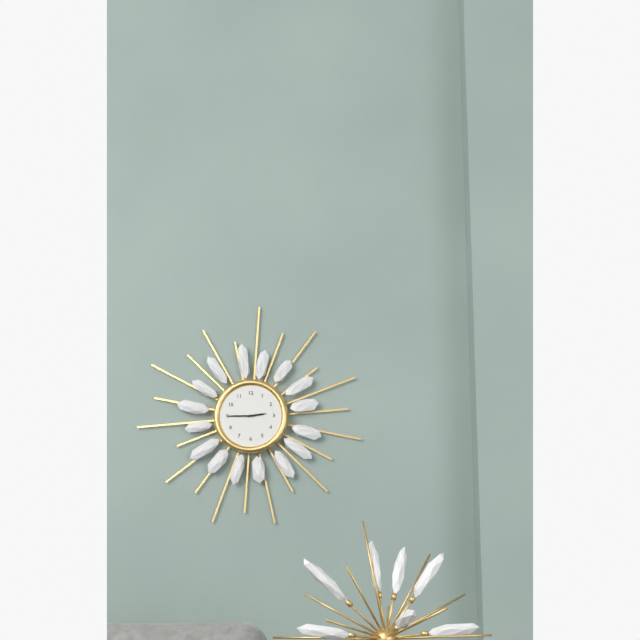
2:45
